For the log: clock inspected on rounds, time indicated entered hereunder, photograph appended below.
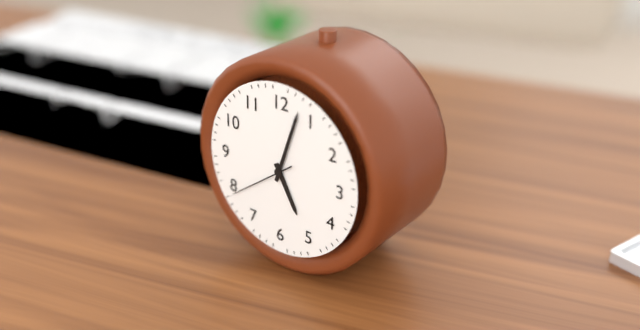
5:03:39
